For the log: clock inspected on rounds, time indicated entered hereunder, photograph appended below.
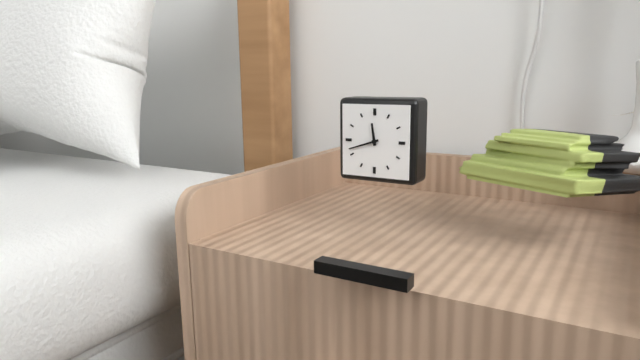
11:42
